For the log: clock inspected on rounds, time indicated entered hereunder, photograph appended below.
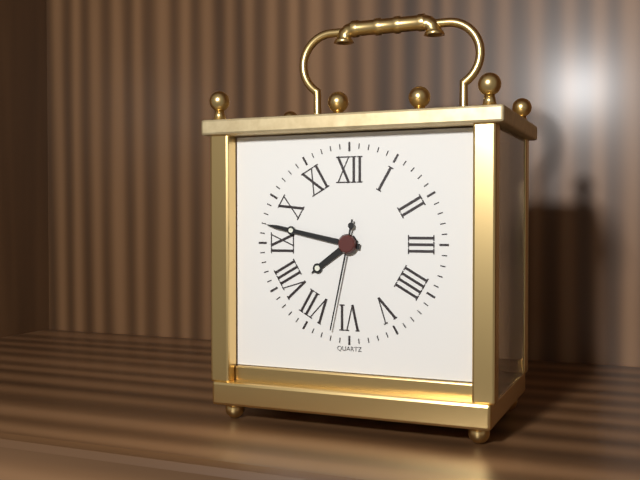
7:47:32
